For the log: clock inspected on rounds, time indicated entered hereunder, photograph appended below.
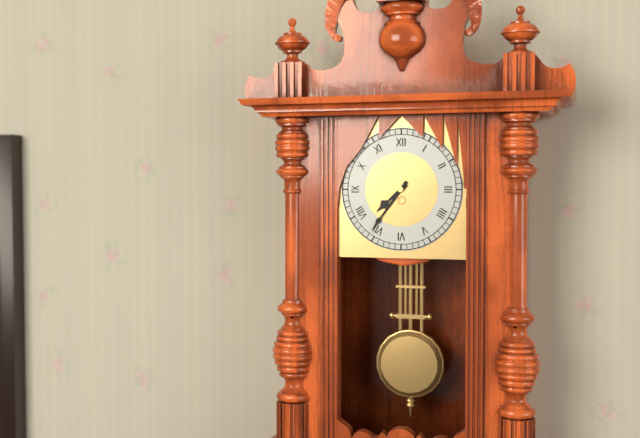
7:36
